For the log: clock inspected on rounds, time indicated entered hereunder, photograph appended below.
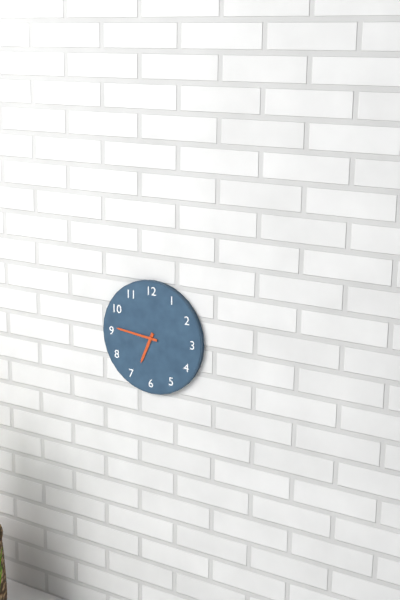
6:46
